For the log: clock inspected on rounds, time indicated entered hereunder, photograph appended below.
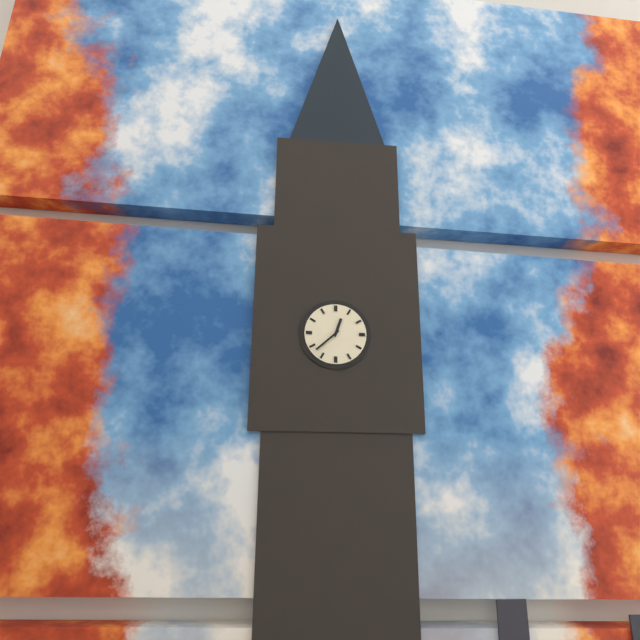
12:38
